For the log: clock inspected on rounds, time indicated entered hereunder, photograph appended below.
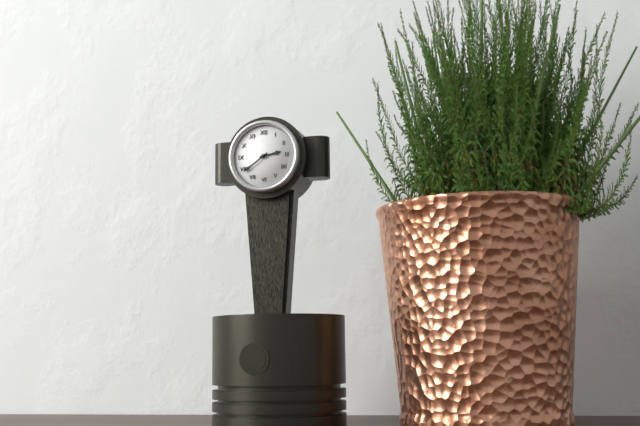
2:39
